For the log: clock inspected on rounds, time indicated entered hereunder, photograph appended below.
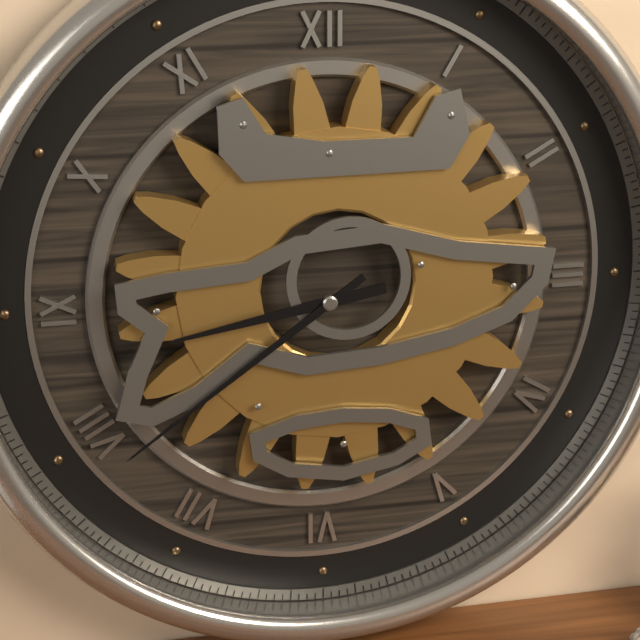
8:39
